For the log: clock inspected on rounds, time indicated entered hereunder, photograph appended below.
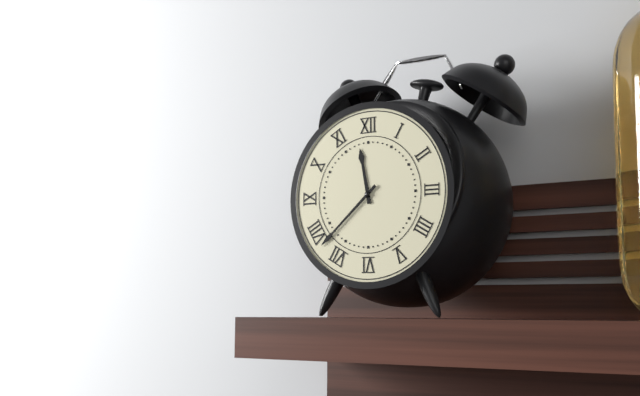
11:38
